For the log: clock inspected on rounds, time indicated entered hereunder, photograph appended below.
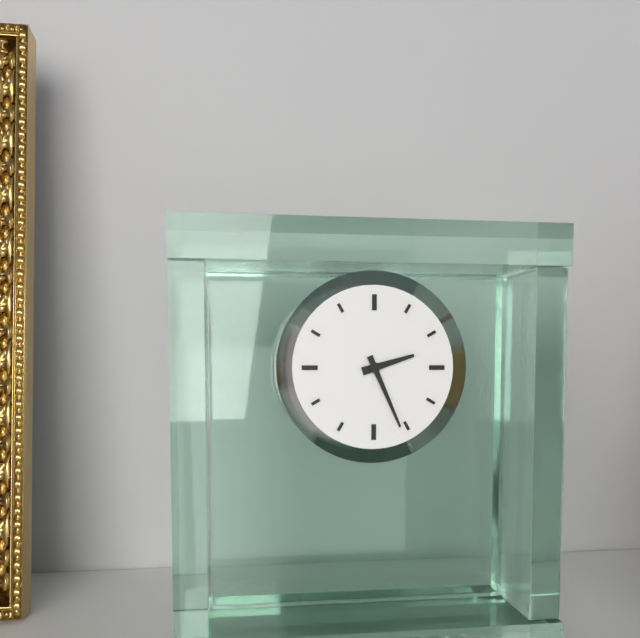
2:26
